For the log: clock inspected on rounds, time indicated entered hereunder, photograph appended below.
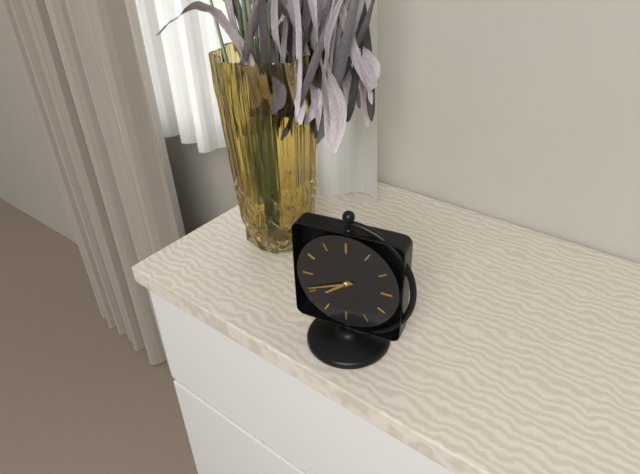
7:41
